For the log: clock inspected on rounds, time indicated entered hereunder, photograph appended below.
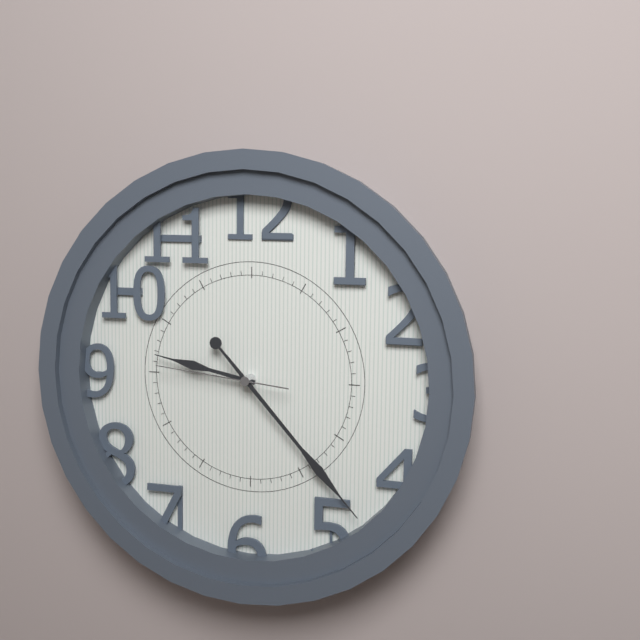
9:23:46
